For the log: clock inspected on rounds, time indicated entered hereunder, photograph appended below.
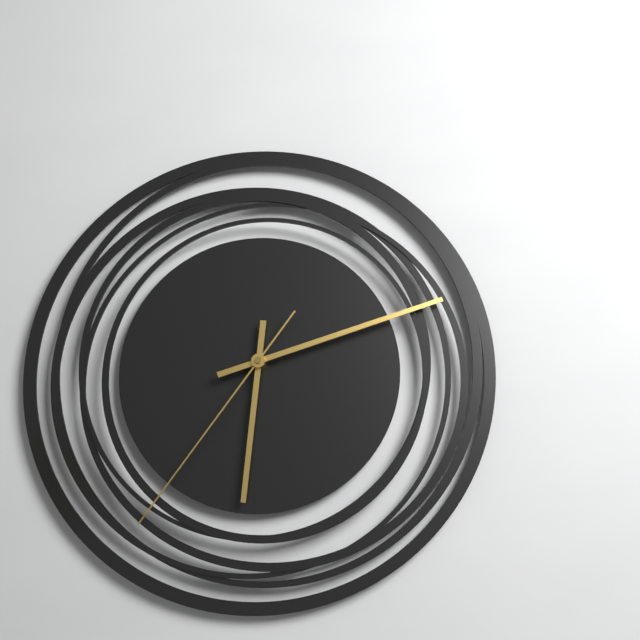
6:12:36
